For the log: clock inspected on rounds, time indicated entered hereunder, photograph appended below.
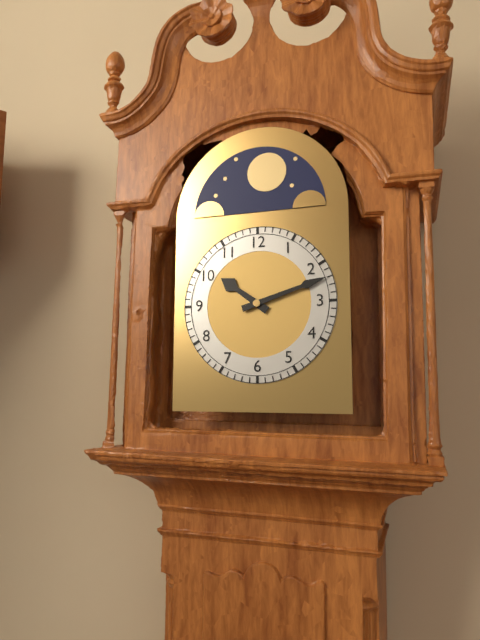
10:12
